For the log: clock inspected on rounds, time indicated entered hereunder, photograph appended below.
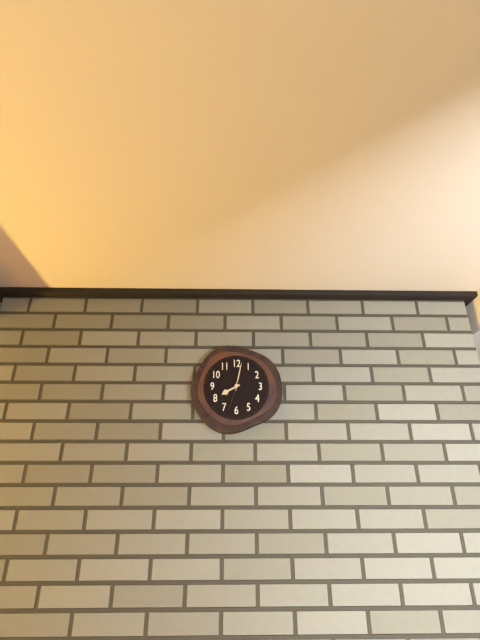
8:02
